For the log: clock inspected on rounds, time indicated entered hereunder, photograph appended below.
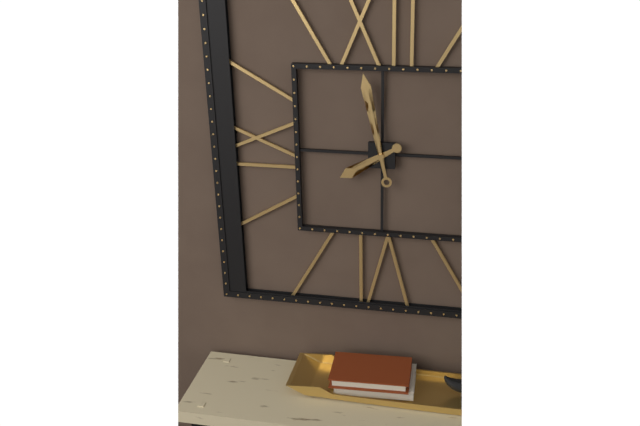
7:58
